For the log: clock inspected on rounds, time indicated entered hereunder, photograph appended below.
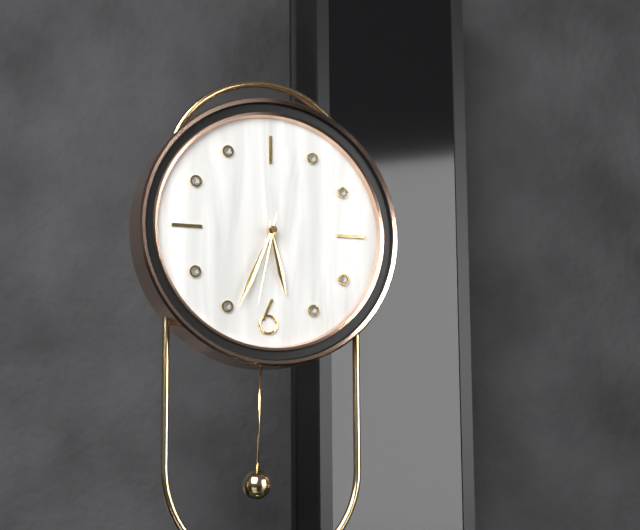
5:34:32
